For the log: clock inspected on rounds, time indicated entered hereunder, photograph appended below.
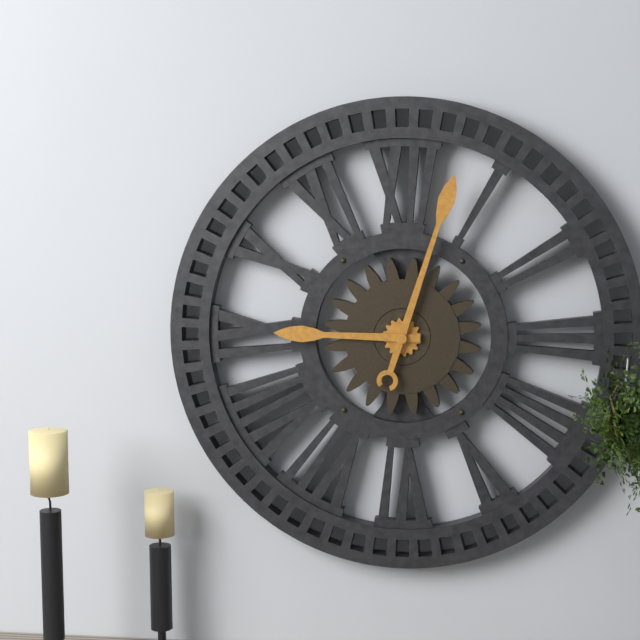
9:03
